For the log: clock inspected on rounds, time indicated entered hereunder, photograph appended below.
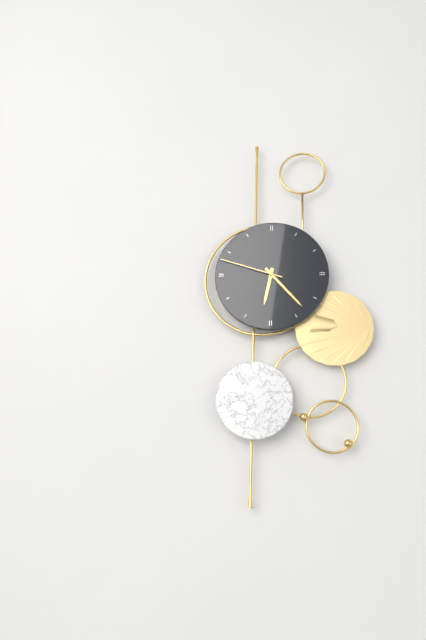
6:23:48
